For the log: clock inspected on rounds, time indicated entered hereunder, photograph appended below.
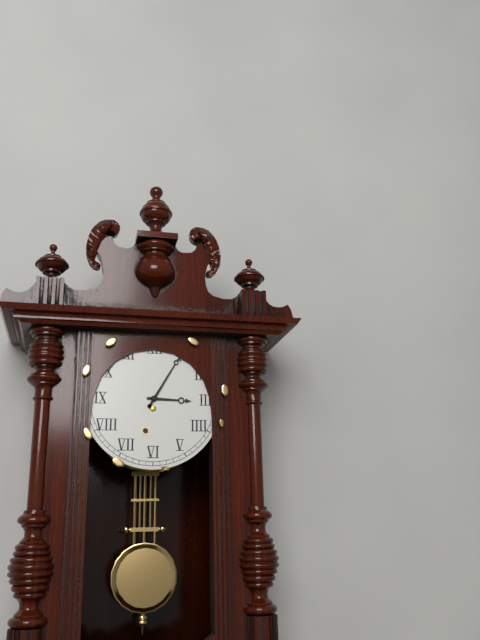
3:05
